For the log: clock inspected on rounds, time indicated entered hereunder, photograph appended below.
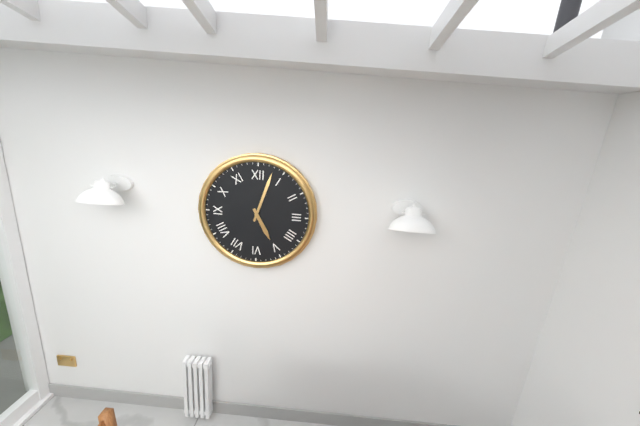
5:03
